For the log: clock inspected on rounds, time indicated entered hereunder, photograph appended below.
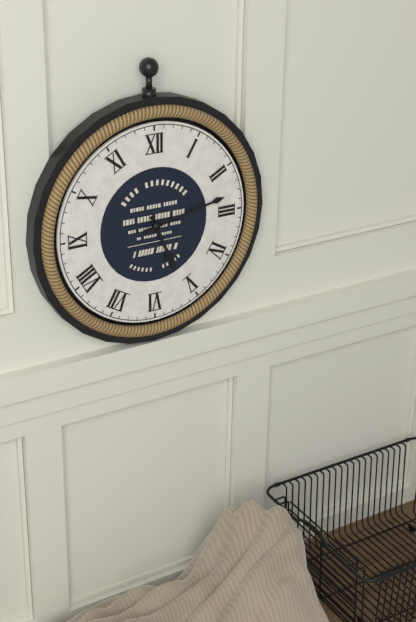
5:13
